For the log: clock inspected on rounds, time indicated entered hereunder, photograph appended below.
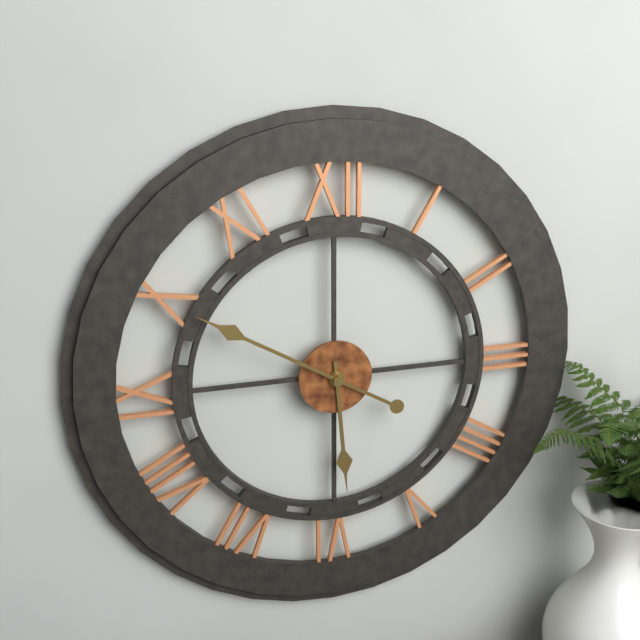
5:50
